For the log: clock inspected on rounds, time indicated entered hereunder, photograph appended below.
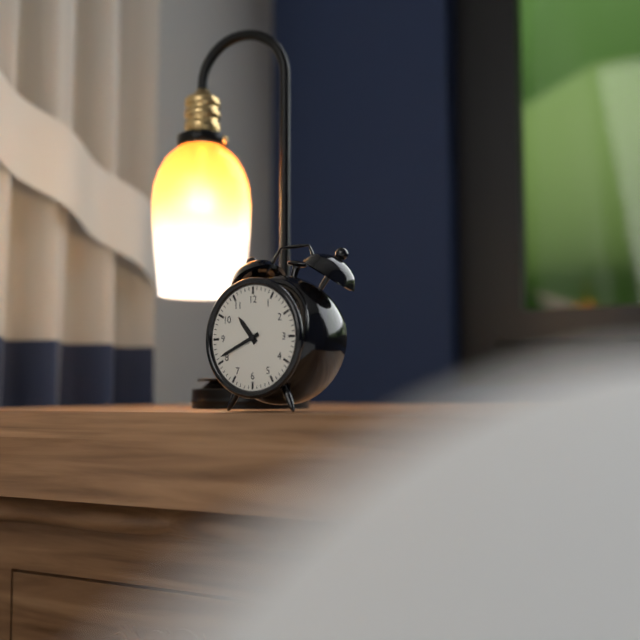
10:41
